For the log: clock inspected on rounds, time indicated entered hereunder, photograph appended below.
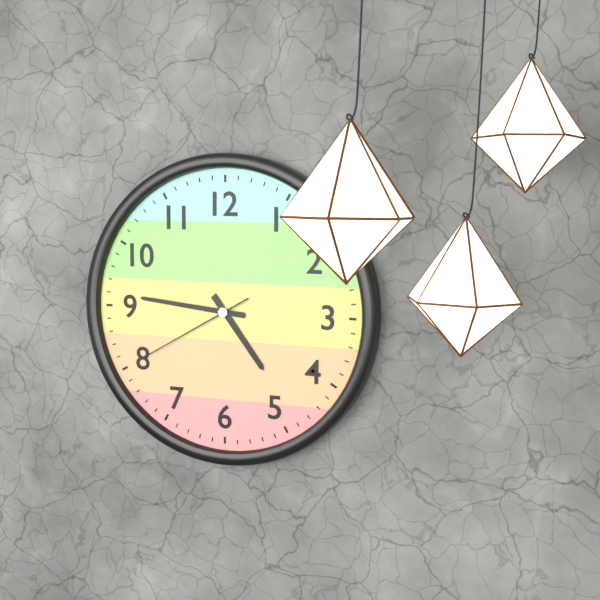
4:46:40
